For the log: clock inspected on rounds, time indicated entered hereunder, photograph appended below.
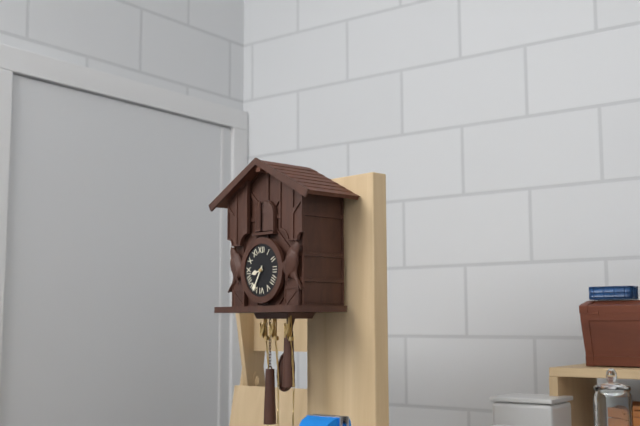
8:35
